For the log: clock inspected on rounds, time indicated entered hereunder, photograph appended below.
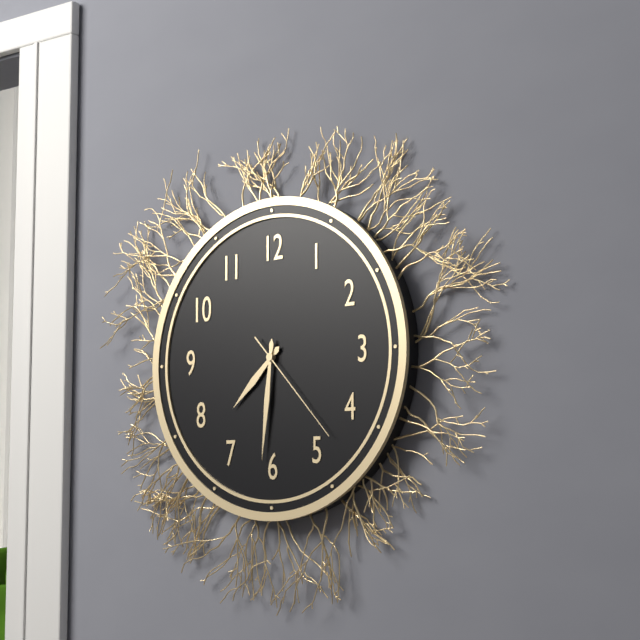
7:31:23
